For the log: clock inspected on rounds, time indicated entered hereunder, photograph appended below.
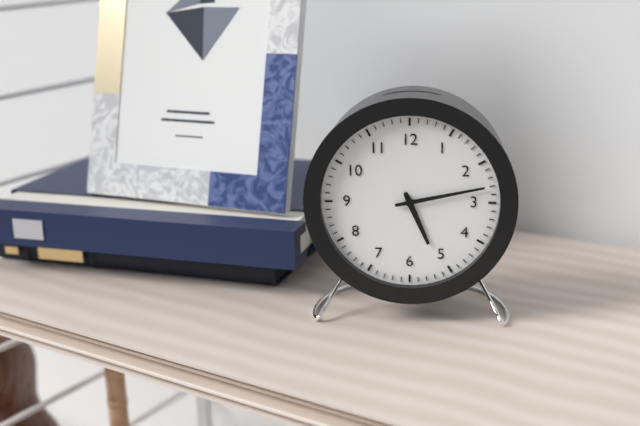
5:13
